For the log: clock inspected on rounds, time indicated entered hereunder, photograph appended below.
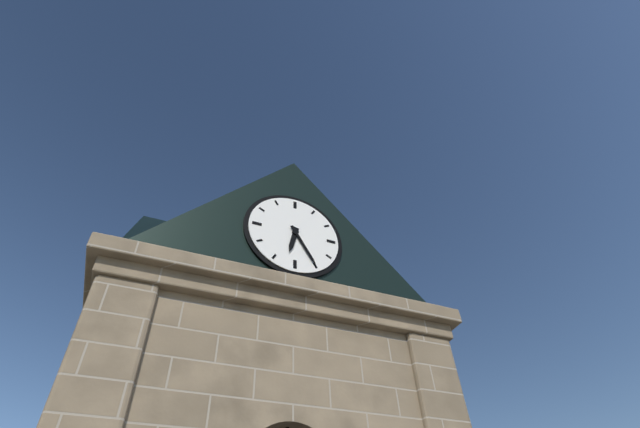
6:25
